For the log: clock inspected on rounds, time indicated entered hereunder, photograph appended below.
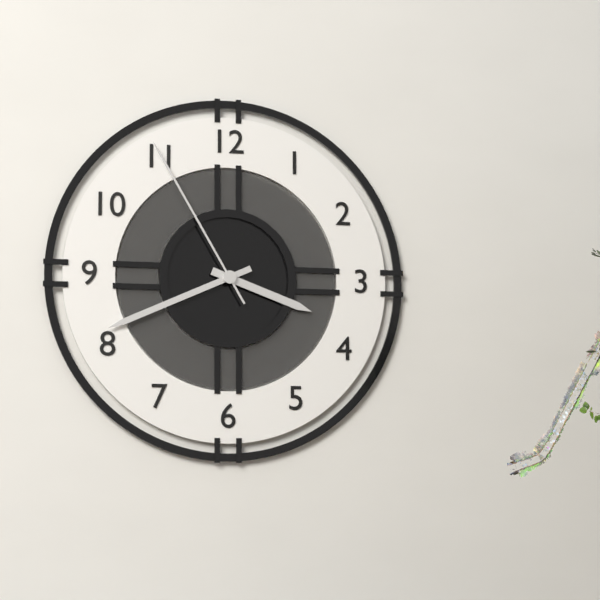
3:41:55
